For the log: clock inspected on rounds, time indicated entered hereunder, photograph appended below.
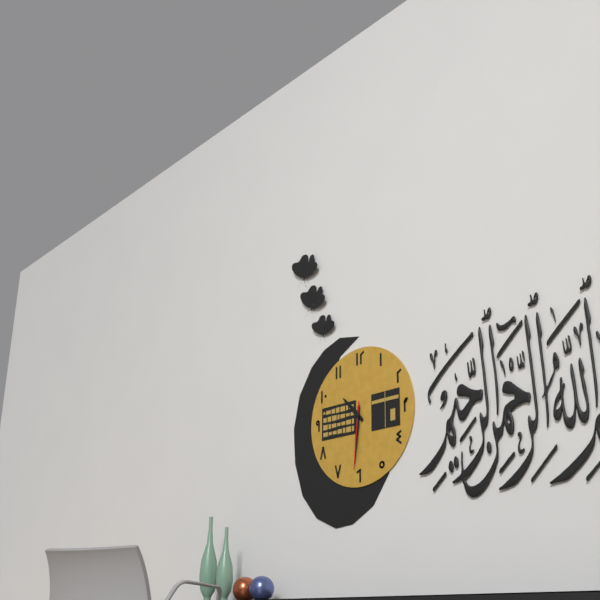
10:31:31
